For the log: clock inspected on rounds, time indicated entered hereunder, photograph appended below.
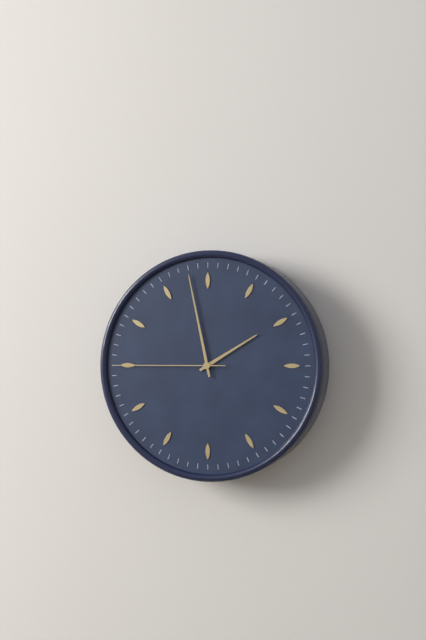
1:58:45
